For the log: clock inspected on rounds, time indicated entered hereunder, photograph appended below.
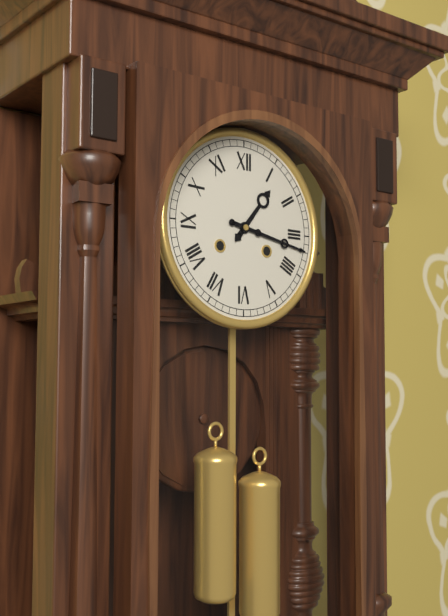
1:17
